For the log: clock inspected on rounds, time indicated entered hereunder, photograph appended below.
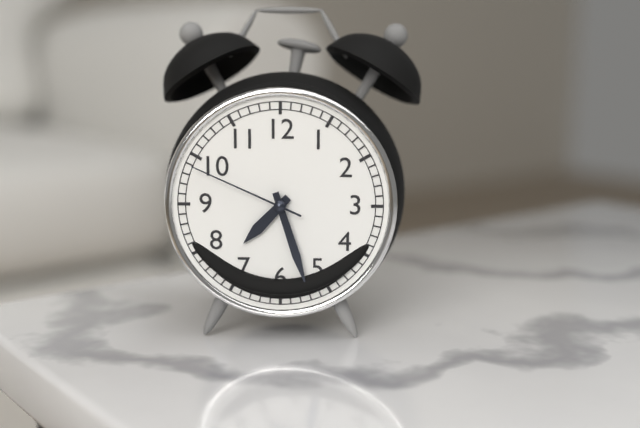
7:27:49
